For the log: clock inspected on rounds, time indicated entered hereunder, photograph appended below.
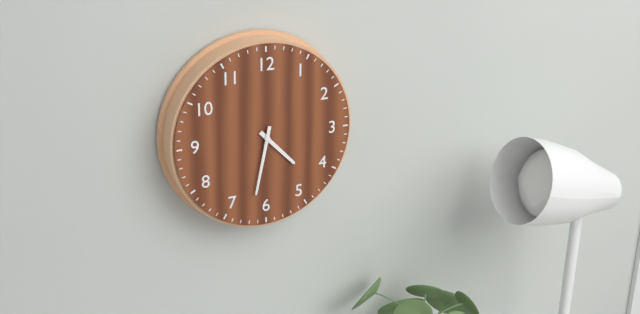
4:32
